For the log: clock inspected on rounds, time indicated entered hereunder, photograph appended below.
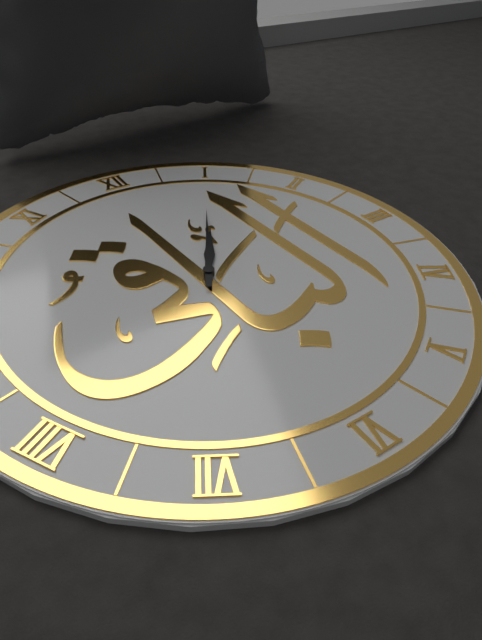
1:05
